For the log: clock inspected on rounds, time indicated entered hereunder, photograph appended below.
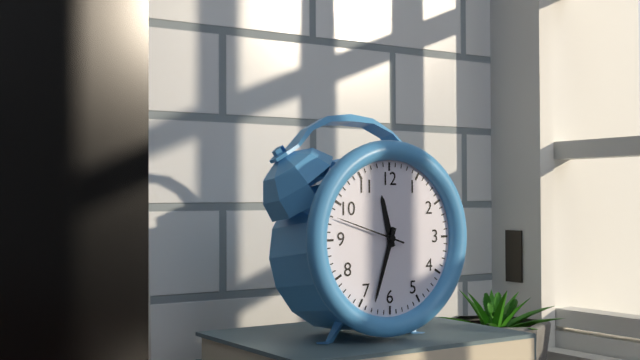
11:33:48
